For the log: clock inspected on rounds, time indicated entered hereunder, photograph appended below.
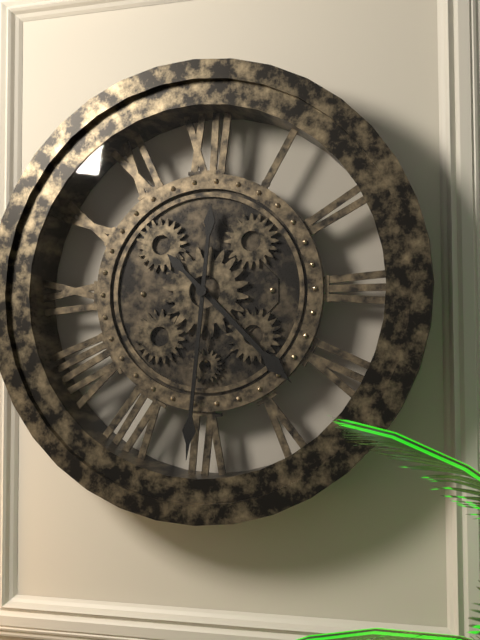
4:31
